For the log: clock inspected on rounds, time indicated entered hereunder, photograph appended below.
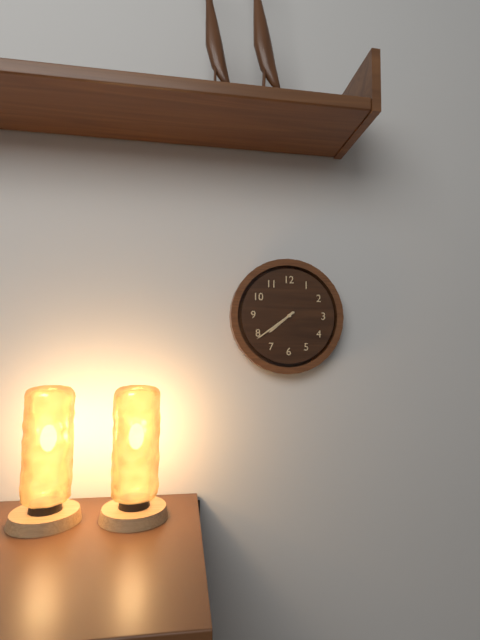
7:39
